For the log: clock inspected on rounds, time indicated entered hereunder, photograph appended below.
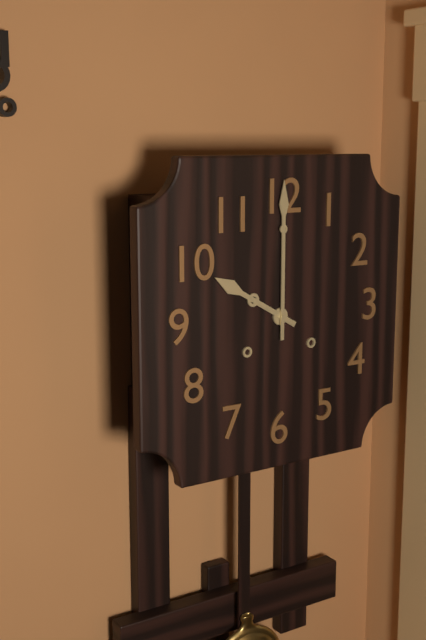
10:00
